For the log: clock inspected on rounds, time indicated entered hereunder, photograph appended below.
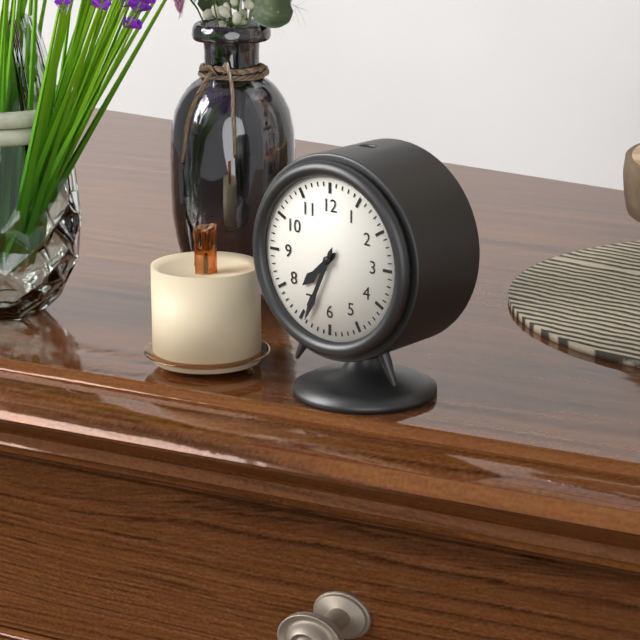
7:34
